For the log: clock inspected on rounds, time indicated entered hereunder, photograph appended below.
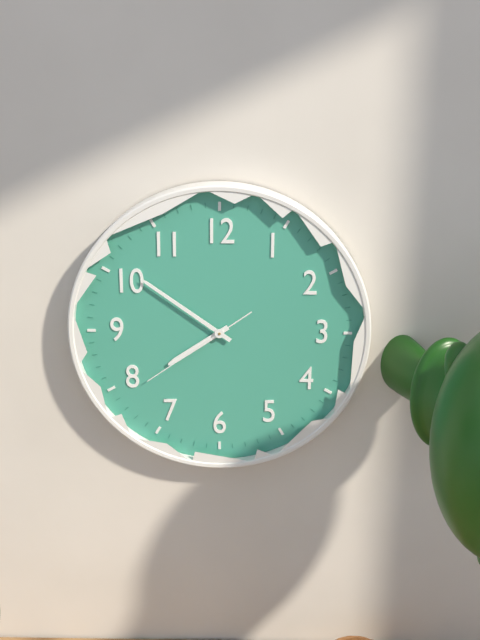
7:51:39
